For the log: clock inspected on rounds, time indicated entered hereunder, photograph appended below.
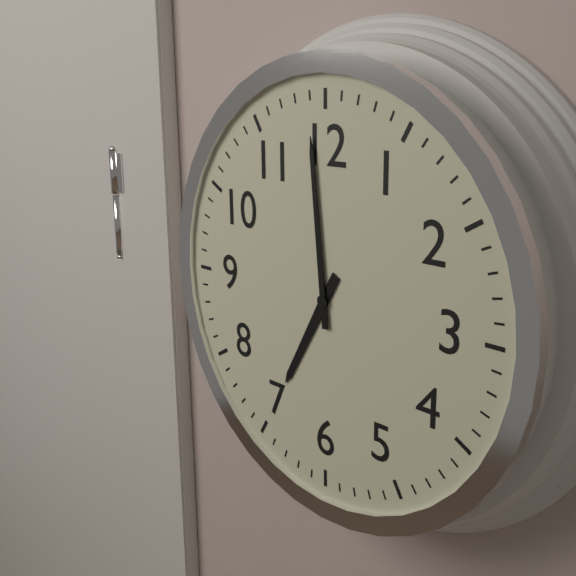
6:59
